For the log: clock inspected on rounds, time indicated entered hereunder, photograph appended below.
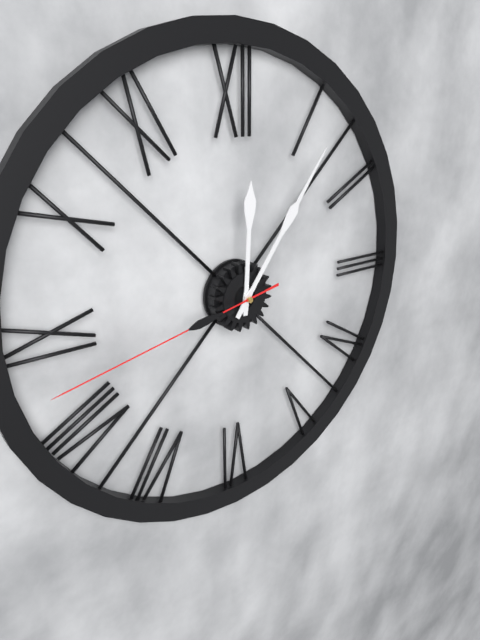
12:06:43
